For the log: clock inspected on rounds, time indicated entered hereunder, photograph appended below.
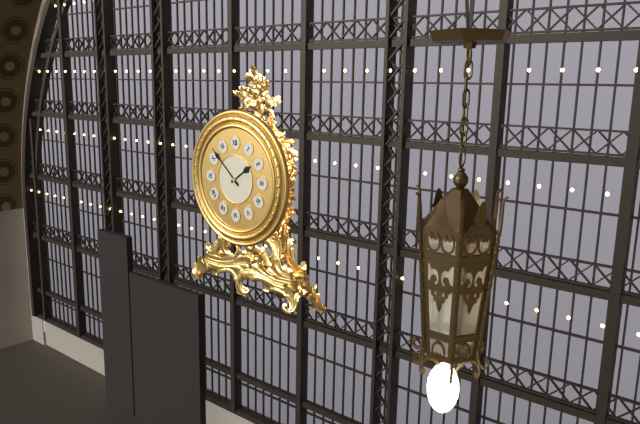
1:52
